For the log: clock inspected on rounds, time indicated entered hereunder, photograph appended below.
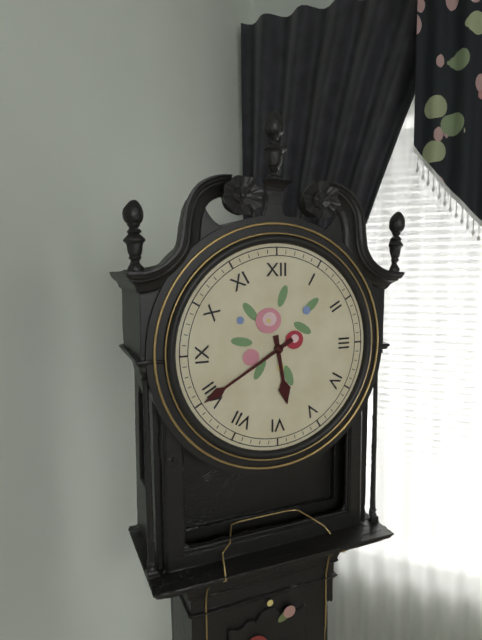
5:40
